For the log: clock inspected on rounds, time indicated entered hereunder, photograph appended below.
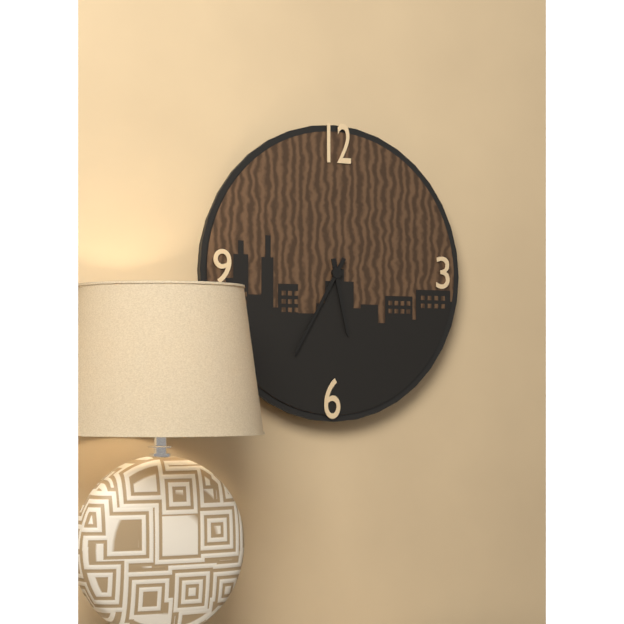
5:35
